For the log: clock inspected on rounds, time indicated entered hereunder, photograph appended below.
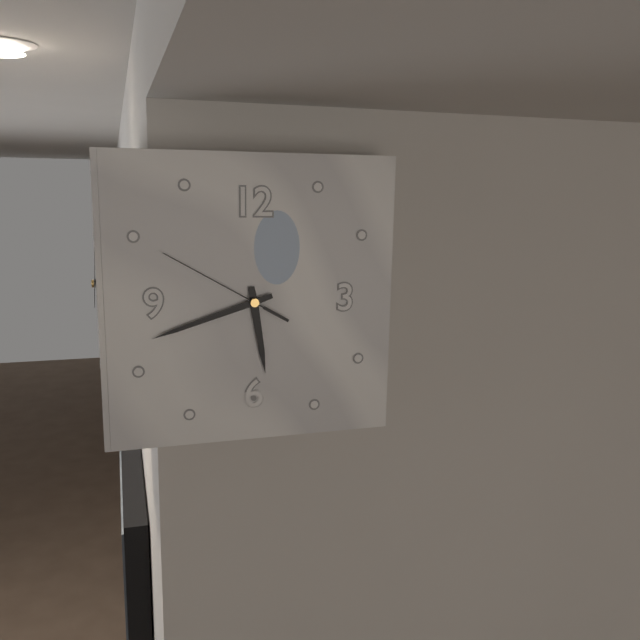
5:42:50
